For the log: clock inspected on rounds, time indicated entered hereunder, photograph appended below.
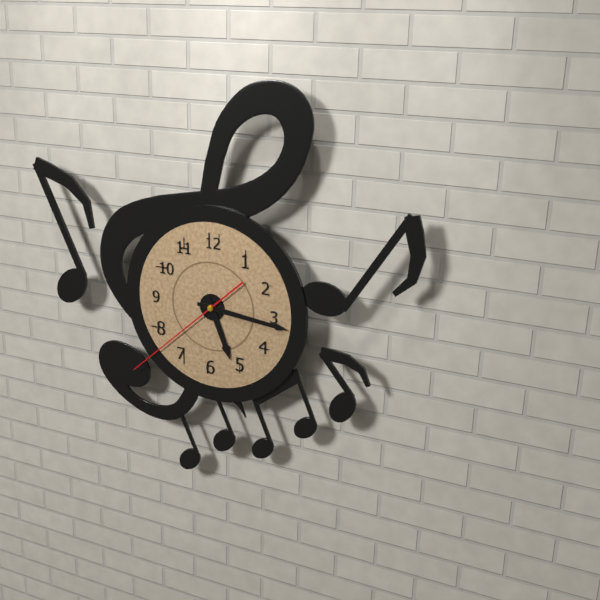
5:16:38
